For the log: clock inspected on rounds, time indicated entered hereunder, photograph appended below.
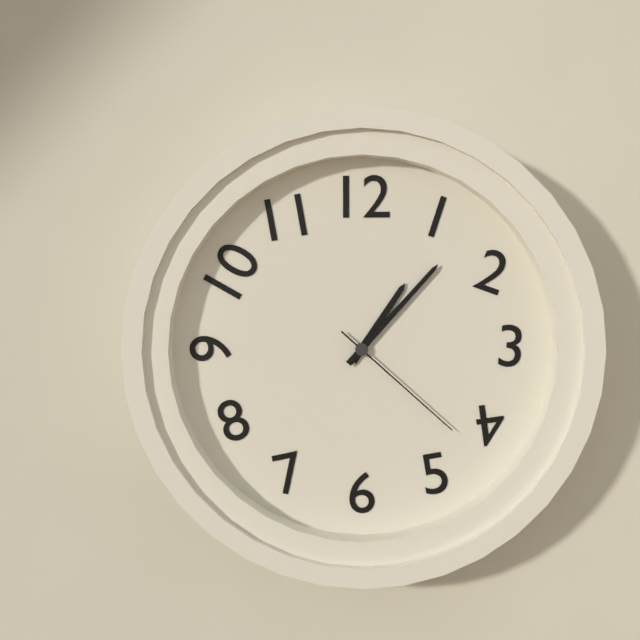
1:07:22
